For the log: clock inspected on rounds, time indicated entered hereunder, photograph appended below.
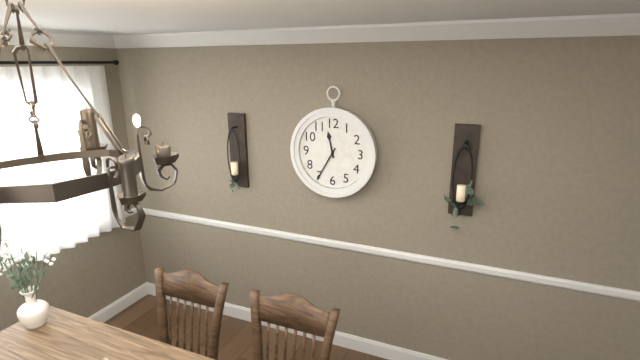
11:35
